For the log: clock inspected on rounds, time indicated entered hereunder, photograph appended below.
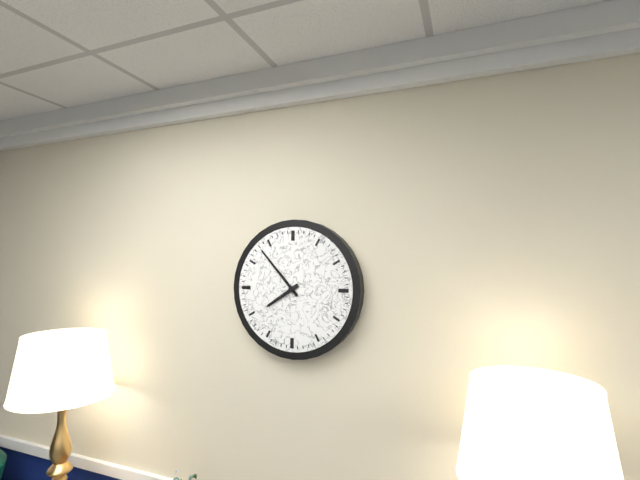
7:53
